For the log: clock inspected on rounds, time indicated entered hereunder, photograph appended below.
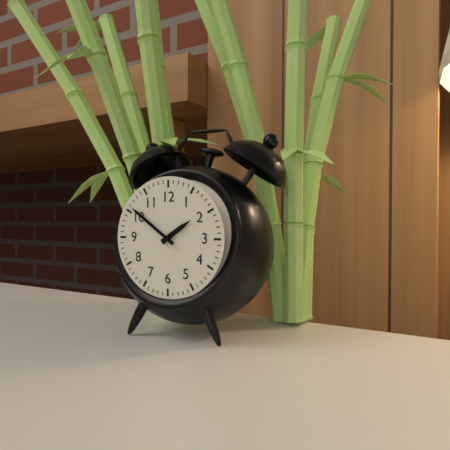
1:51
